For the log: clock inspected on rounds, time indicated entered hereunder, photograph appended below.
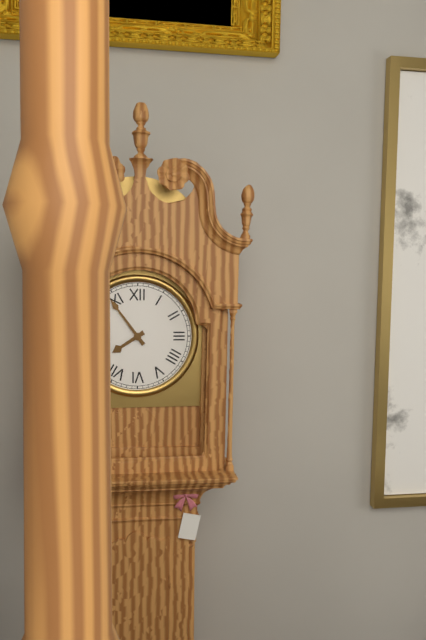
7:54
